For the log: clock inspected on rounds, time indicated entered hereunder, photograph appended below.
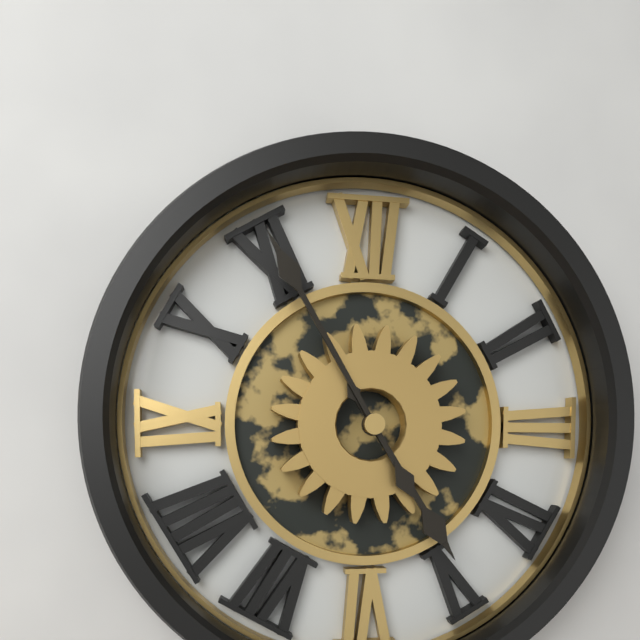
4:55
